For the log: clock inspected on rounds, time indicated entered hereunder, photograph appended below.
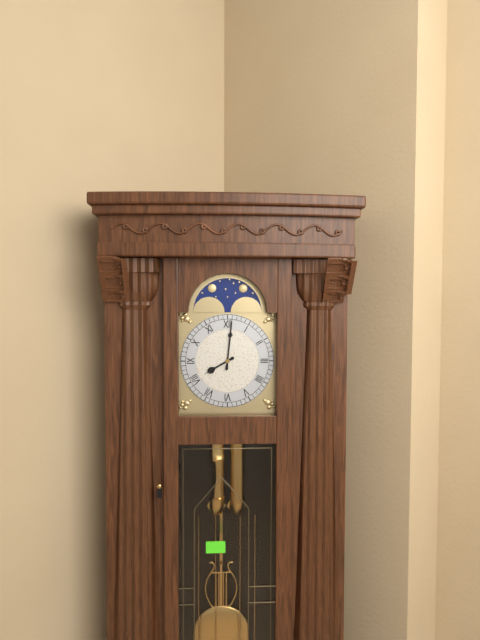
8:01
